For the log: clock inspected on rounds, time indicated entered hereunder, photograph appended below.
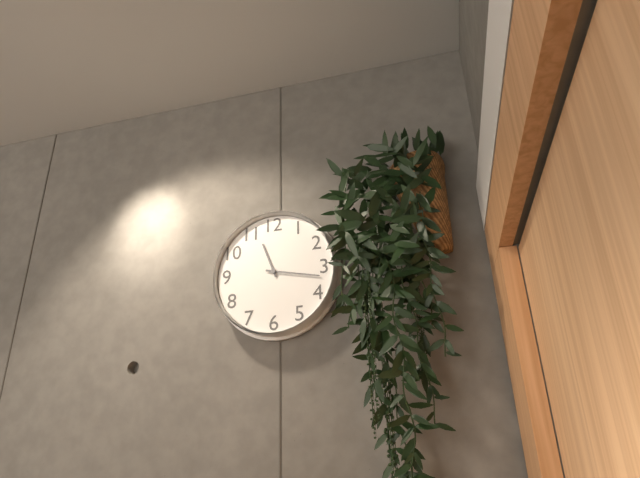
11:17
